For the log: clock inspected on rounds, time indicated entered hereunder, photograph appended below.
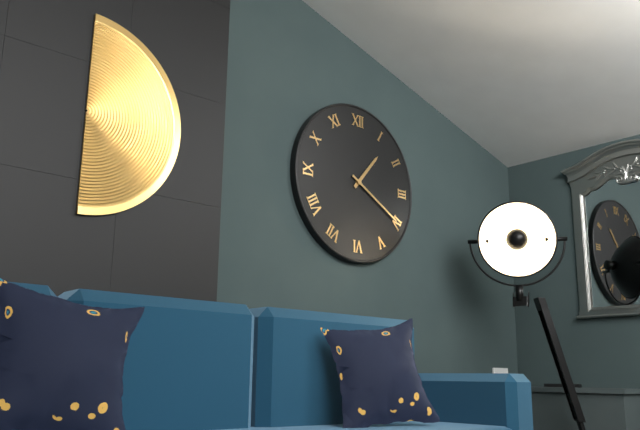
1:20
